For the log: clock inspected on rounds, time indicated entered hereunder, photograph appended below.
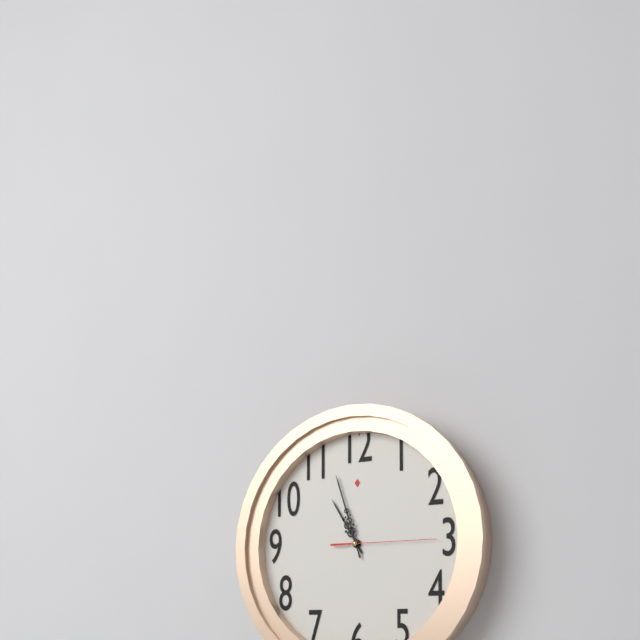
10:57:15
